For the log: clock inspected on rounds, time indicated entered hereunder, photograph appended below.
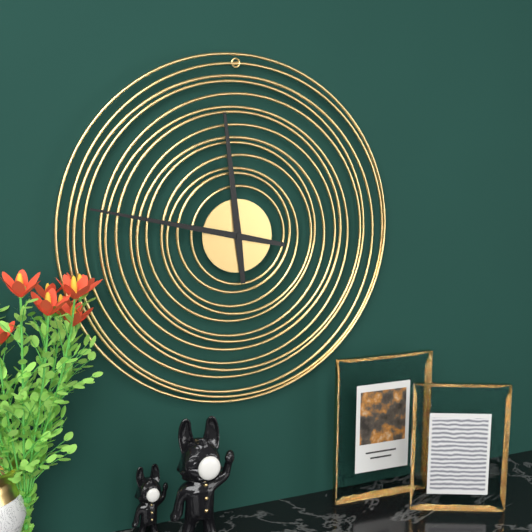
11:47
